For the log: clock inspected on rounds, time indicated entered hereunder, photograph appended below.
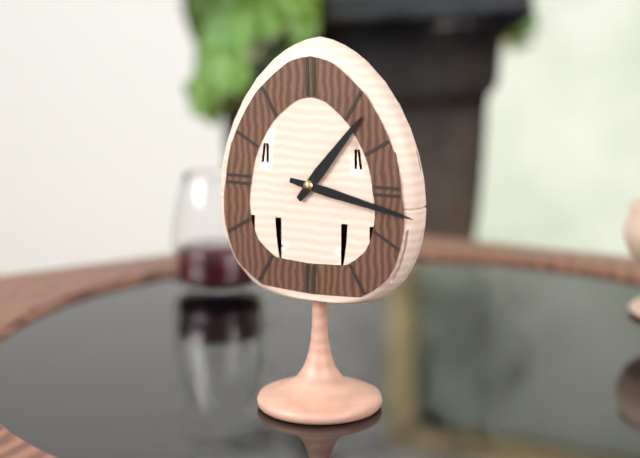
1:17
